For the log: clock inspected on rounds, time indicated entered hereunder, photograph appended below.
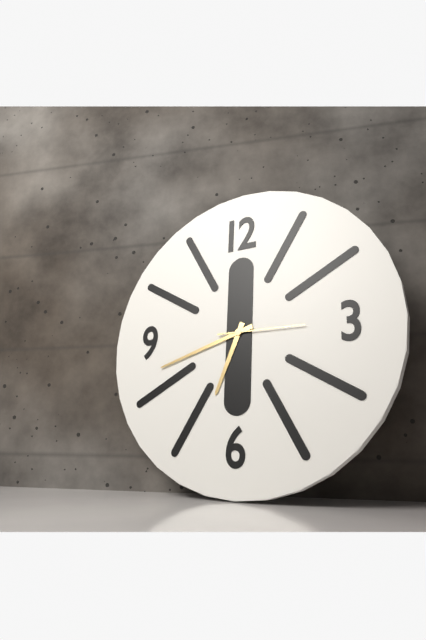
6:42:15
